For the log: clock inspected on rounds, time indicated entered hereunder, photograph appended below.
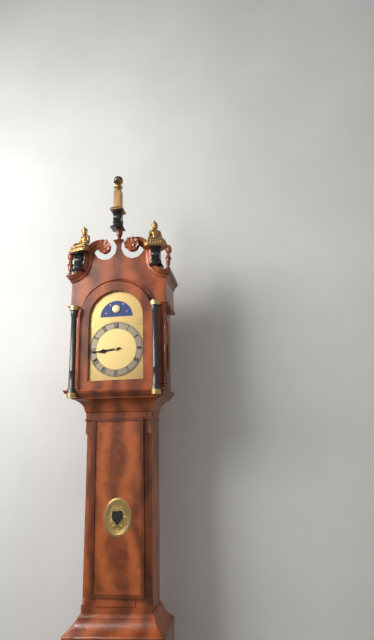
8:44
